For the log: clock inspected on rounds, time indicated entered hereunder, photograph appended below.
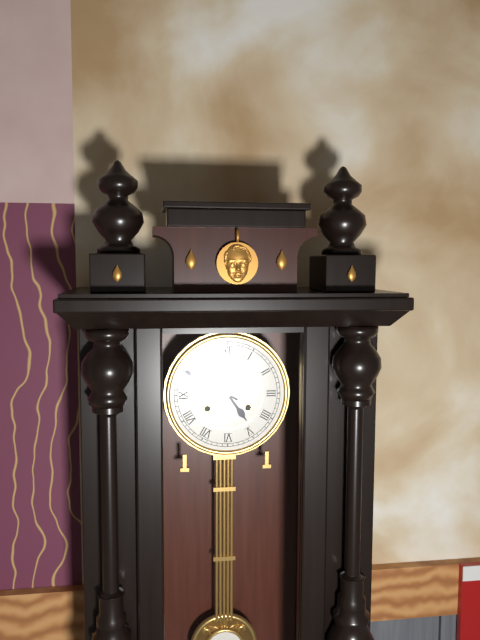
4:50
